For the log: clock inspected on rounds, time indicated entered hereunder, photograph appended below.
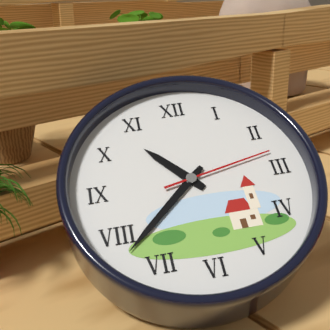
10:38:13
